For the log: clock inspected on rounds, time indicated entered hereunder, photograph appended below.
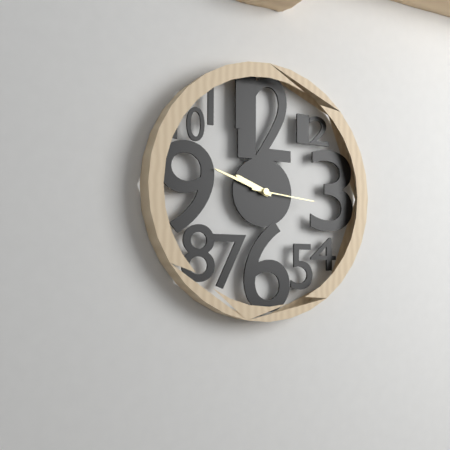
9:48:16
